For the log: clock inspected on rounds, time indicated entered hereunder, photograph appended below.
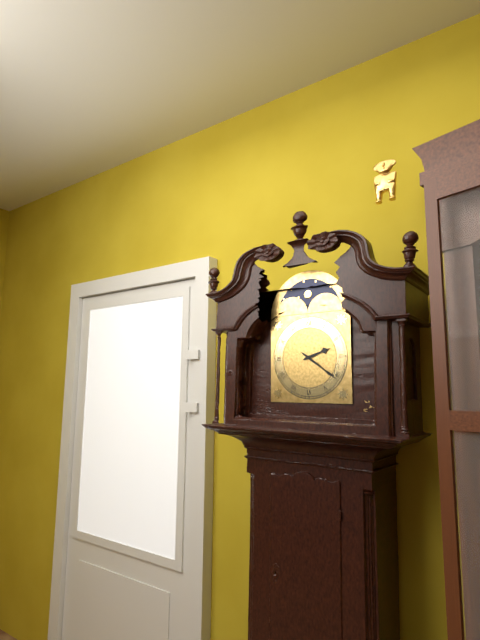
2:21
